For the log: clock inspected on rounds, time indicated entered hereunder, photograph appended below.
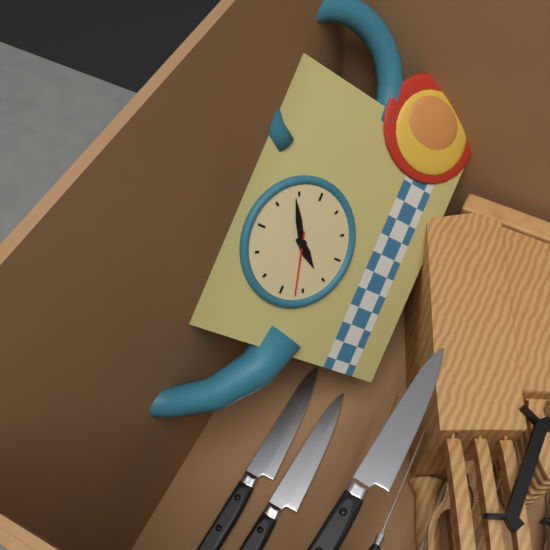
7:09:42
